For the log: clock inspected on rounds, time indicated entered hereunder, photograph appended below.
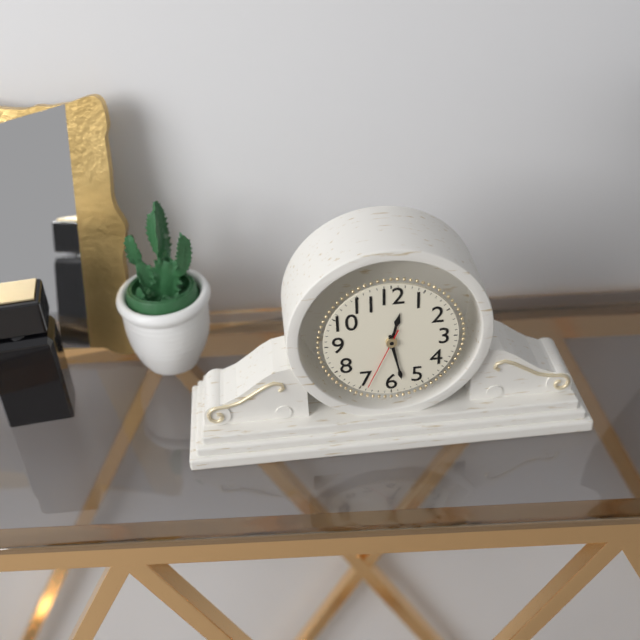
12:28:34
